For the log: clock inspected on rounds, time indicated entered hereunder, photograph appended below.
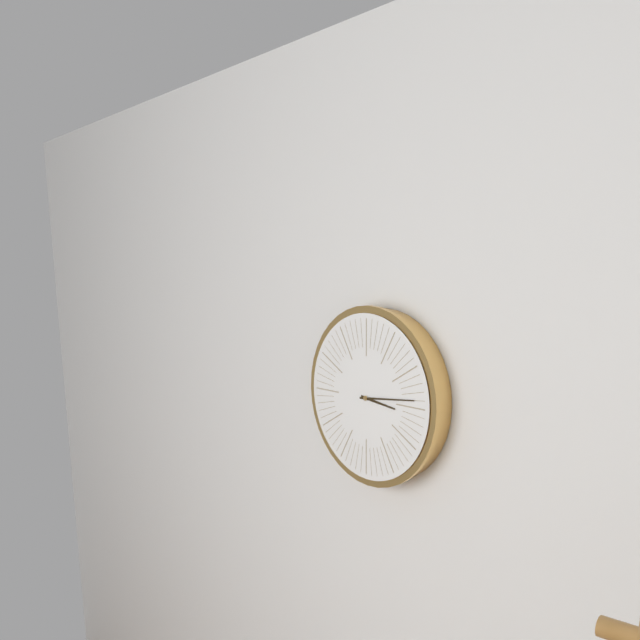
3:14
